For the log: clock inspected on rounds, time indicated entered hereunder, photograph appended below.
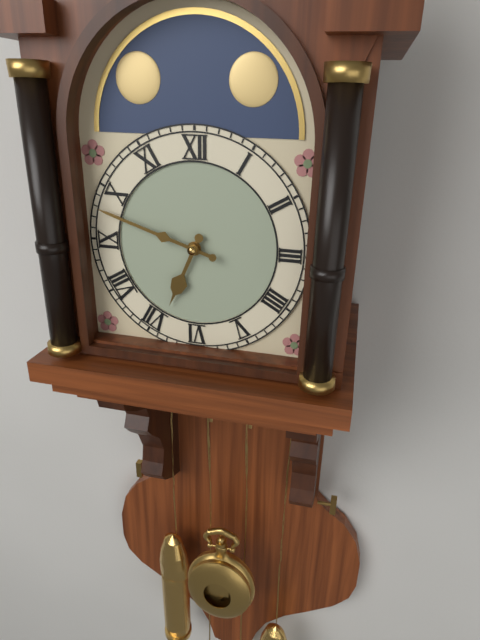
6:48
